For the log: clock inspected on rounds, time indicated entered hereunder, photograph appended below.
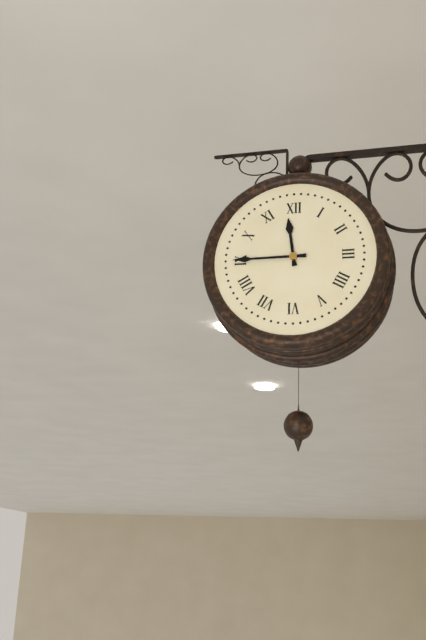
11:45
